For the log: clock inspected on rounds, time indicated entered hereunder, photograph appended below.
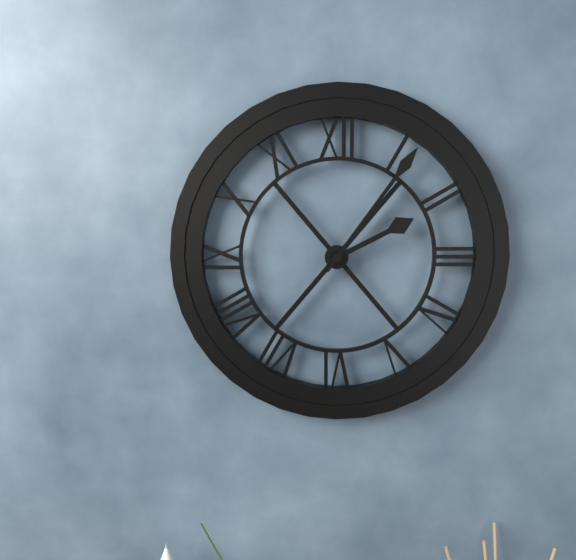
2:06
